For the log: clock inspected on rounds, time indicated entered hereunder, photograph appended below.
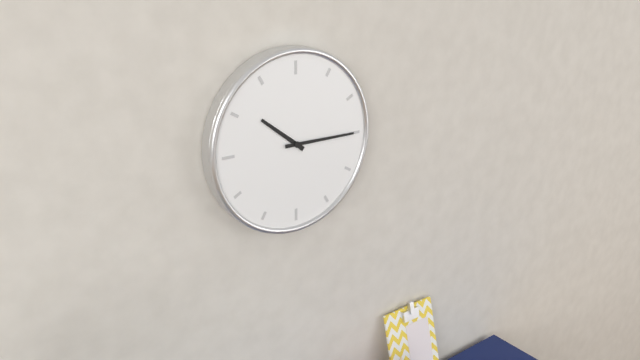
10:15
